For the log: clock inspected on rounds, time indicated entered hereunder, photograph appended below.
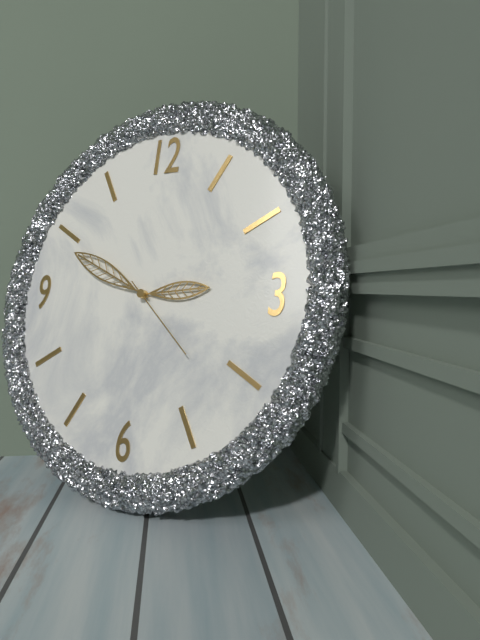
2:49:22
